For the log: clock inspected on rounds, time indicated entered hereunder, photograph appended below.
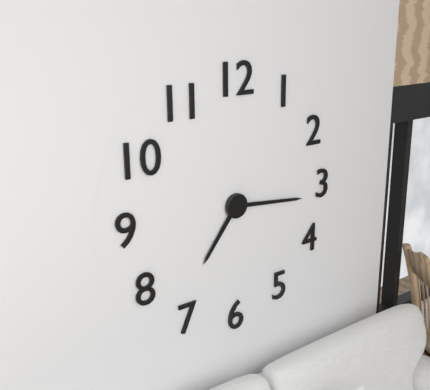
7:16
